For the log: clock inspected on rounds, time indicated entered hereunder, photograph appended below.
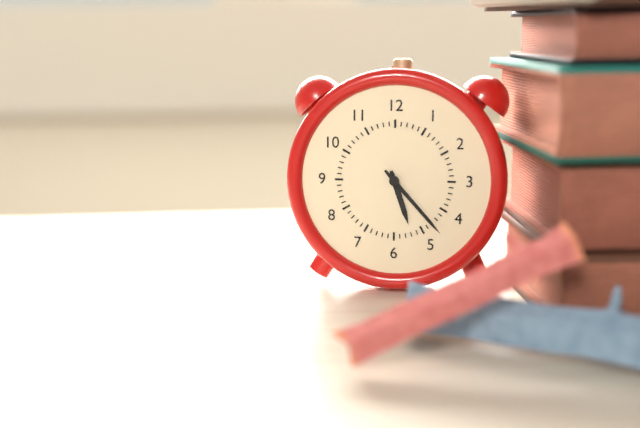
5:23
